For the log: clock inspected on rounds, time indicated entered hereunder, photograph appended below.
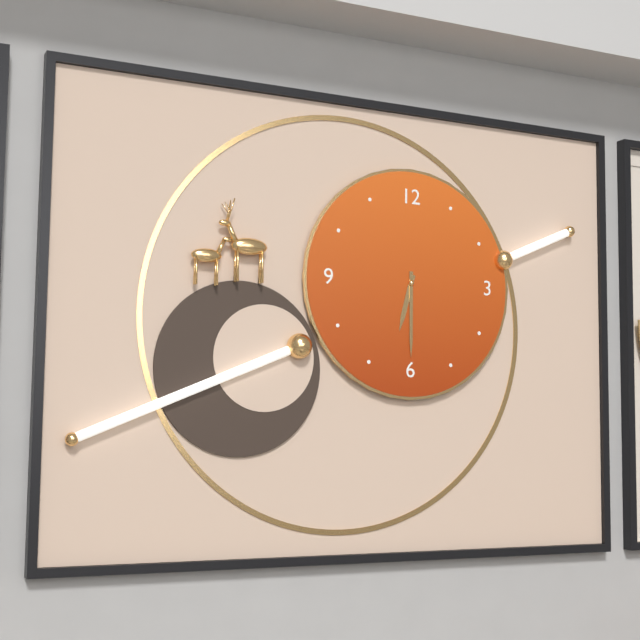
6:30
